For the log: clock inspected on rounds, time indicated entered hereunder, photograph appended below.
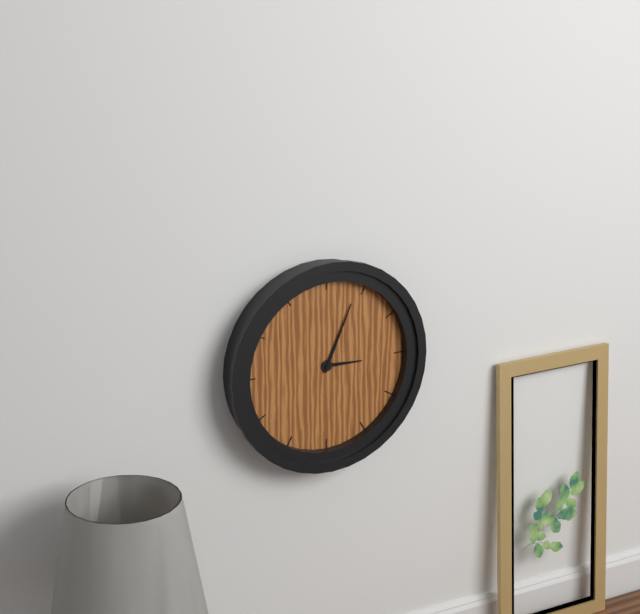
3:04
